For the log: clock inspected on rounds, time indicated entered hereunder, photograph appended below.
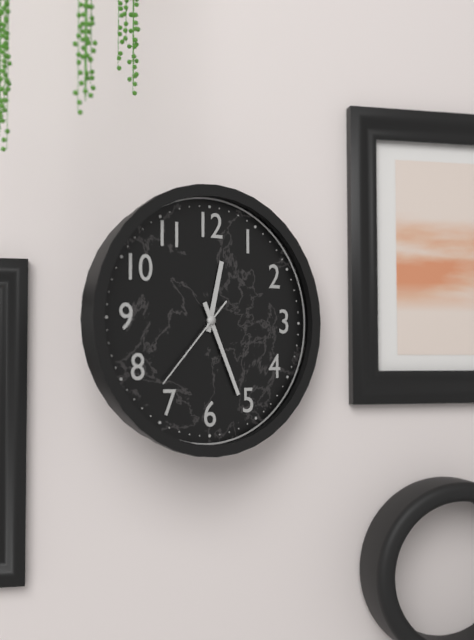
12:26:37
